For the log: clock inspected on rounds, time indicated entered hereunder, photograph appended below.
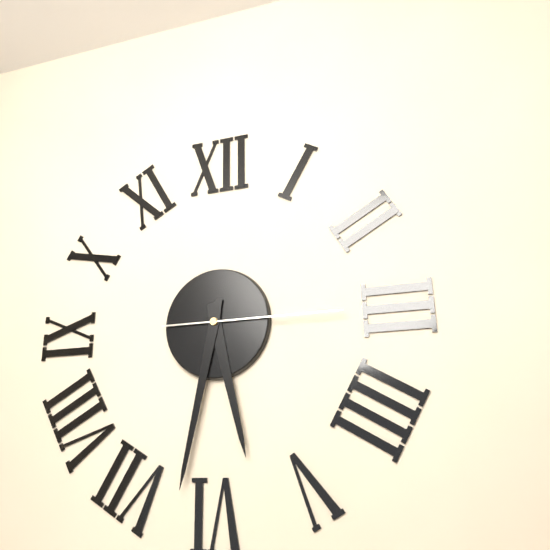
5:32:15
